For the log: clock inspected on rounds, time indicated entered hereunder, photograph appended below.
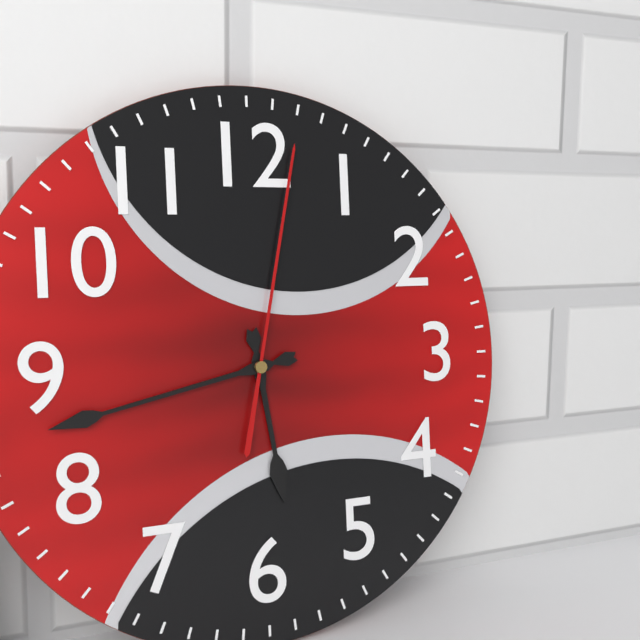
5:43:02
